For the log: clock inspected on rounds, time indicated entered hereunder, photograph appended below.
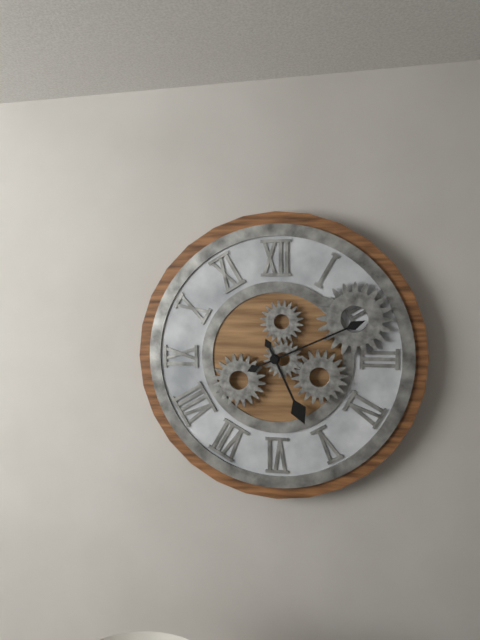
5:11
